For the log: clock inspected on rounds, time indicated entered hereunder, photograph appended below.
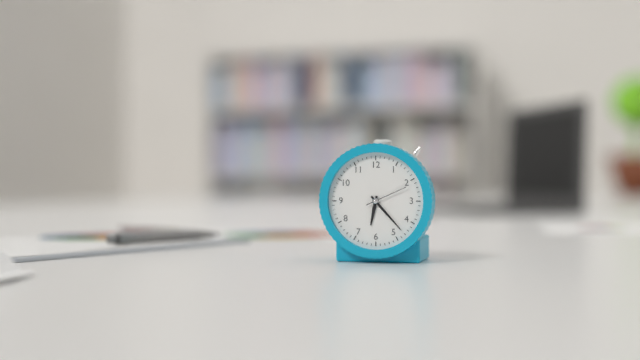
6:23
